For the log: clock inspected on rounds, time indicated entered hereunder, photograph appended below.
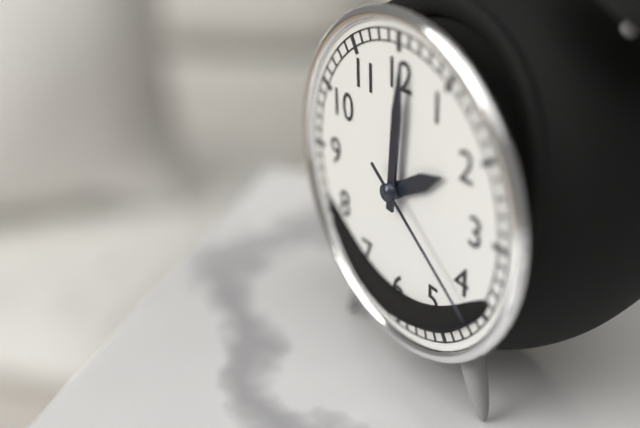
2:01:21
